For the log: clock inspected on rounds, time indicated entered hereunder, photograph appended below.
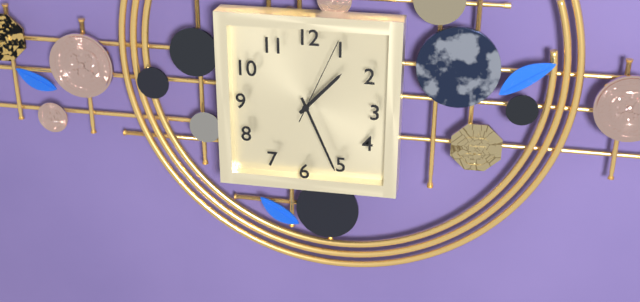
1:26:04
